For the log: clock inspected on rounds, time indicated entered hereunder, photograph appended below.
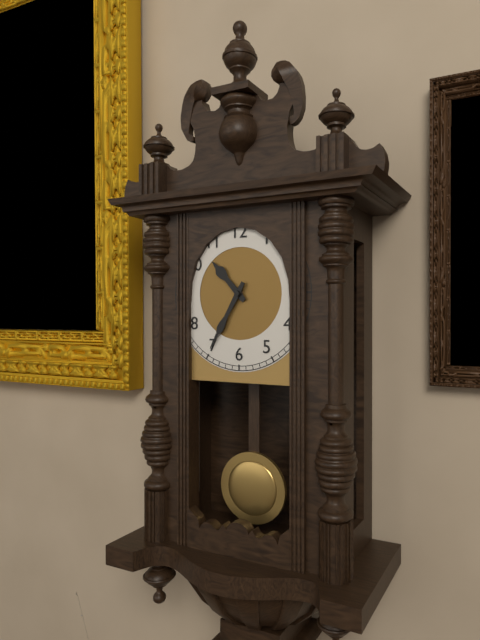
10:35
